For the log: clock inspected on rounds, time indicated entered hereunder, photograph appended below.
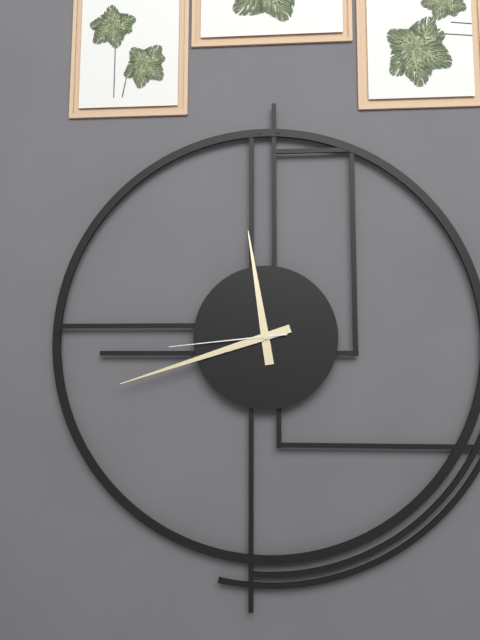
11:42:44
